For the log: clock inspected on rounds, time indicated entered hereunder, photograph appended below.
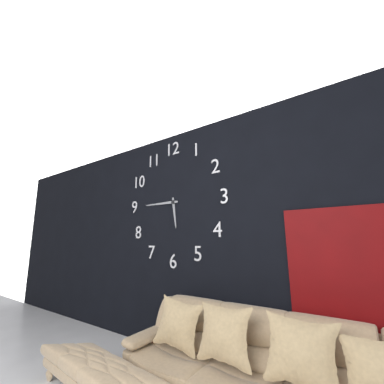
5:45
